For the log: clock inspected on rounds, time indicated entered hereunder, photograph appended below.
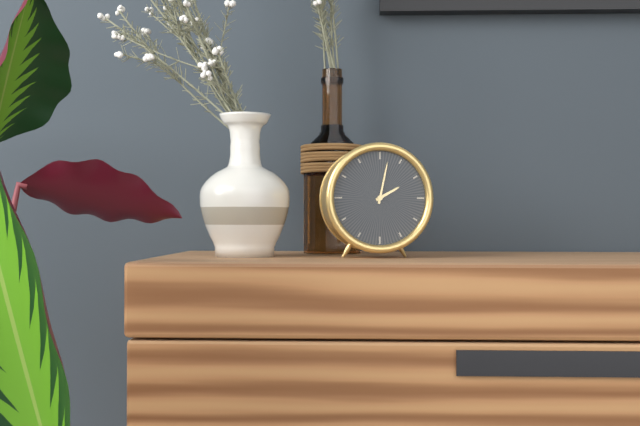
2:02
